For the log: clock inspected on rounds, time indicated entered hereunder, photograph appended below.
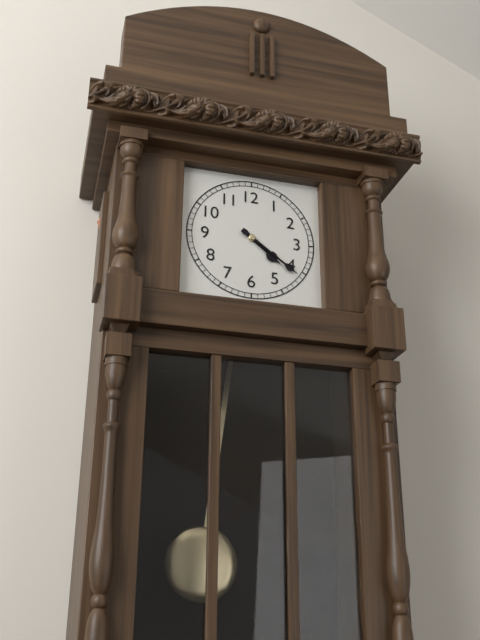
4:21
